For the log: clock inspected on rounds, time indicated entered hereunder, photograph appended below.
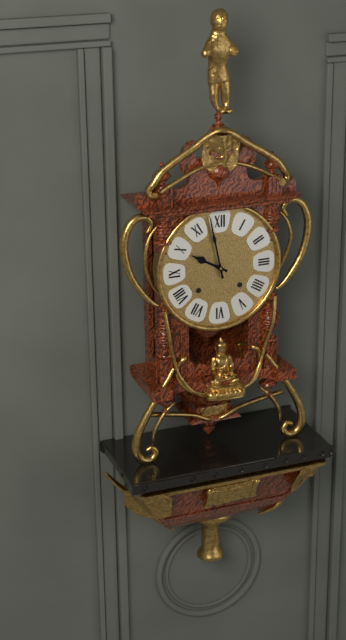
9:58
